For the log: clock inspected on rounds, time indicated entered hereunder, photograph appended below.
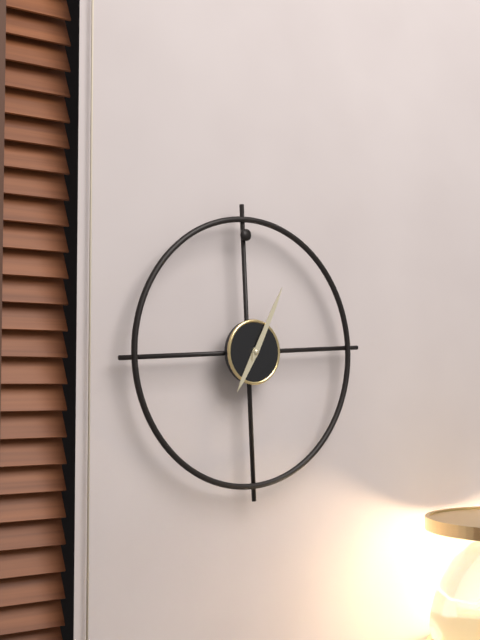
7:05
